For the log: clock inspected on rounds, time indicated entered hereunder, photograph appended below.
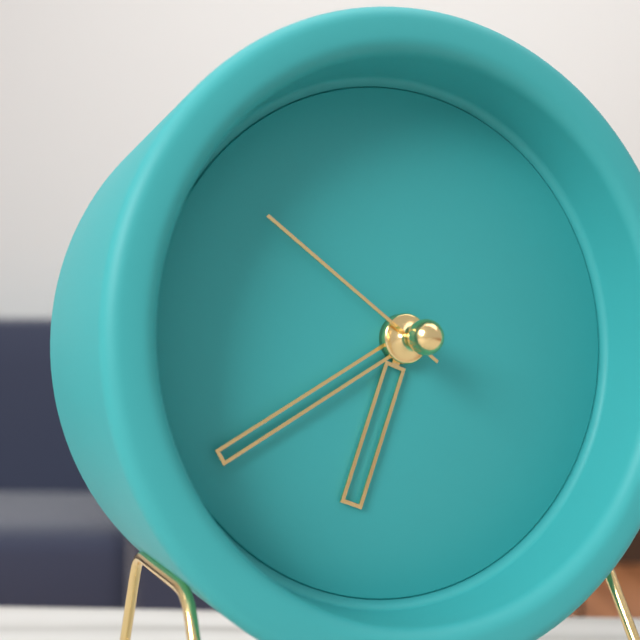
6:40:51
